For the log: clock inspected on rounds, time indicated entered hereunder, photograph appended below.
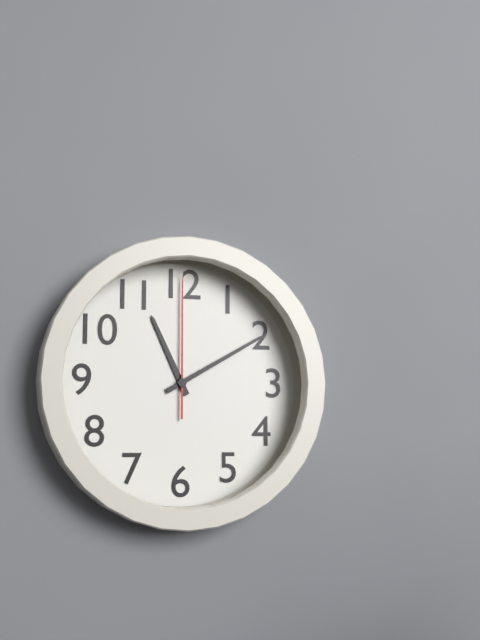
11:10:00
